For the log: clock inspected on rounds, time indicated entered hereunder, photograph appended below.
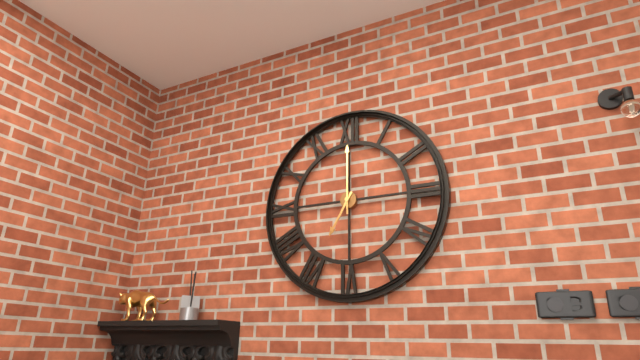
7:00
